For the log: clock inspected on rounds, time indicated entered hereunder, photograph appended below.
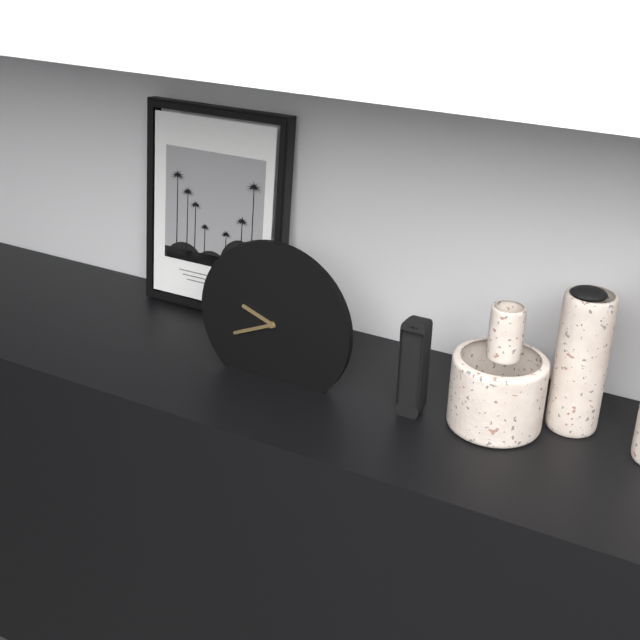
9:41
